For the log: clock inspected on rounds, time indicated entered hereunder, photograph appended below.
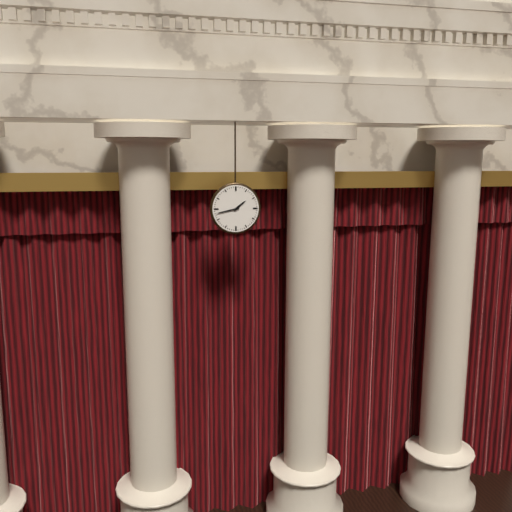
1:43
